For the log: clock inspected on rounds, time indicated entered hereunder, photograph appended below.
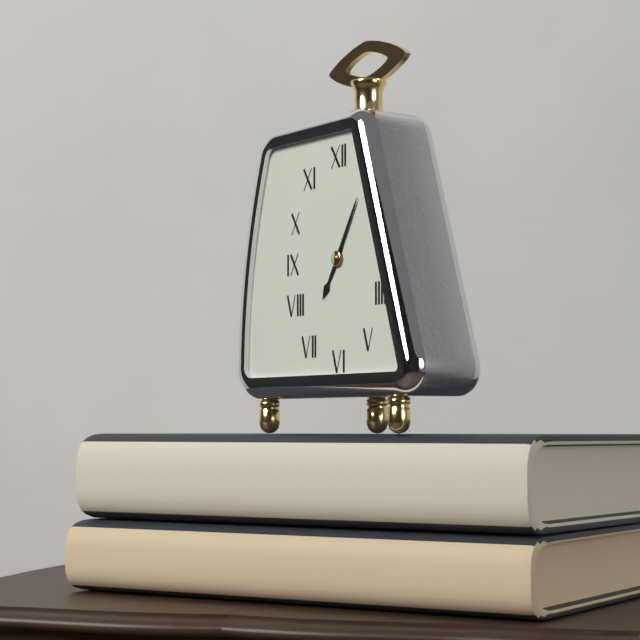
7:05
